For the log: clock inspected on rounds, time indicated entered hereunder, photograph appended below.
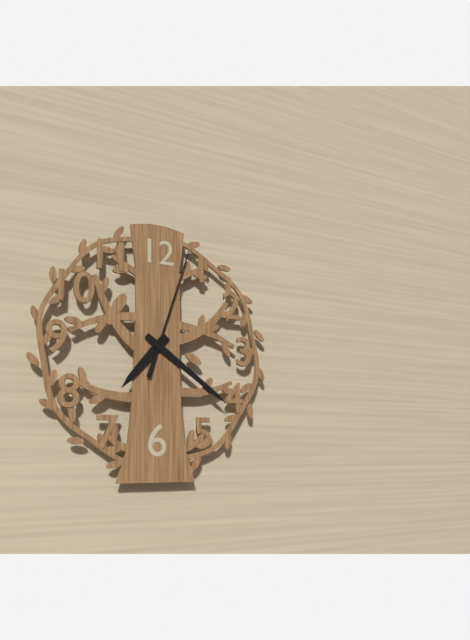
7:21:03
